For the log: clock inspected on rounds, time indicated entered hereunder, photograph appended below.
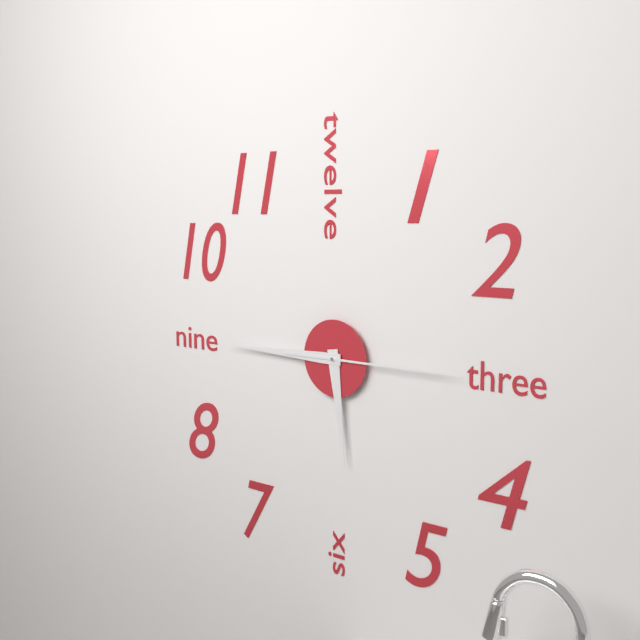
5:45:15
